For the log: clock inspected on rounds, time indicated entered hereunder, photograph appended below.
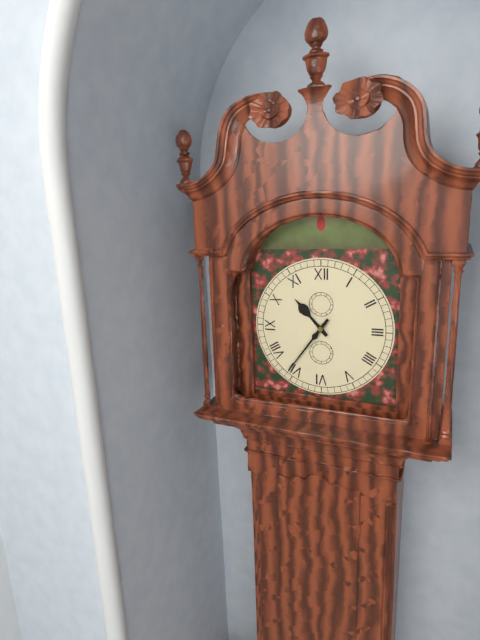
10:36
